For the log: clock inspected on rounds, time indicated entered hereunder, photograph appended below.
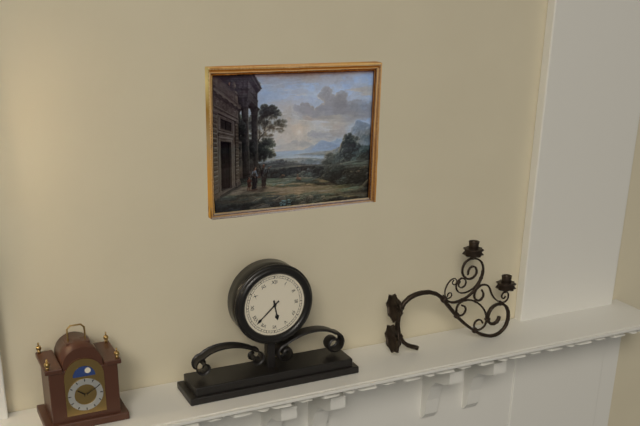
5:38
